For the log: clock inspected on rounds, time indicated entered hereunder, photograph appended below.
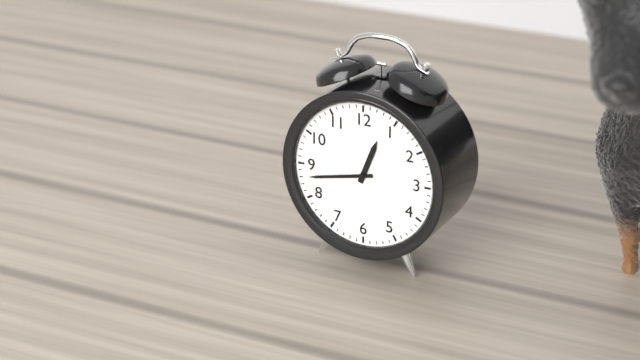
12:43
